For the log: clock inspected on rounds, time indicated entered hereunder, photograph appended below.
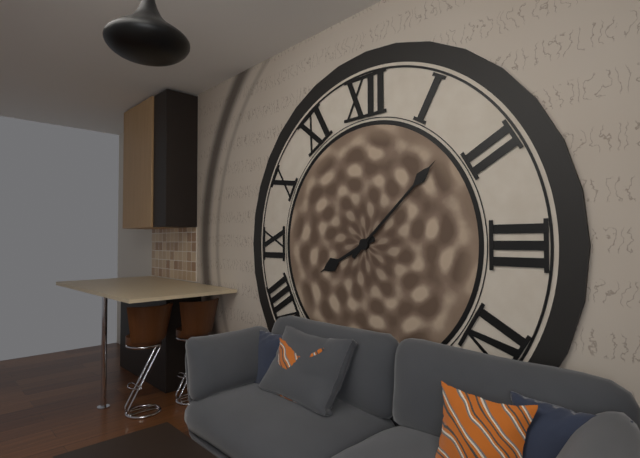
8:08
